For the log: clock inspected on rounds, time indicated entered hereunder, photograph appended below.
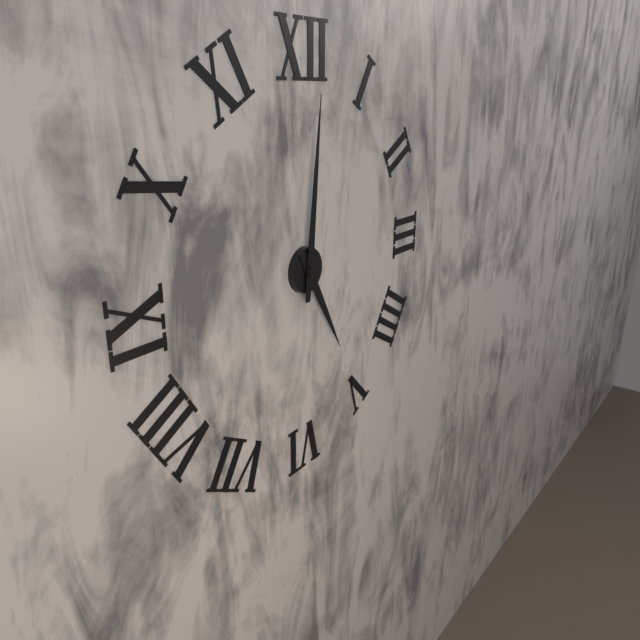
5:01
